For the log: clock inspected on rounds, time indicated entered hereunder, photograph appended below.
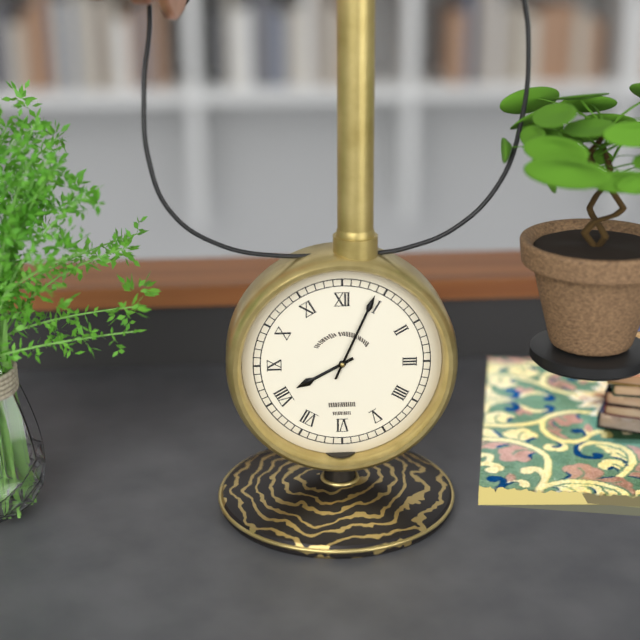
8:04
